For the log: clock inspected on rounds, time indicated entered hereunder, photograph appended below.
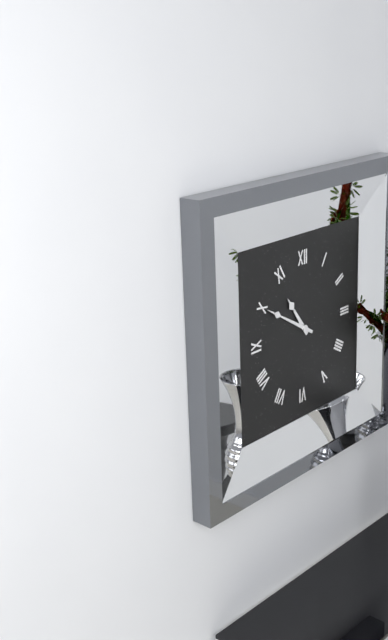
10:50
